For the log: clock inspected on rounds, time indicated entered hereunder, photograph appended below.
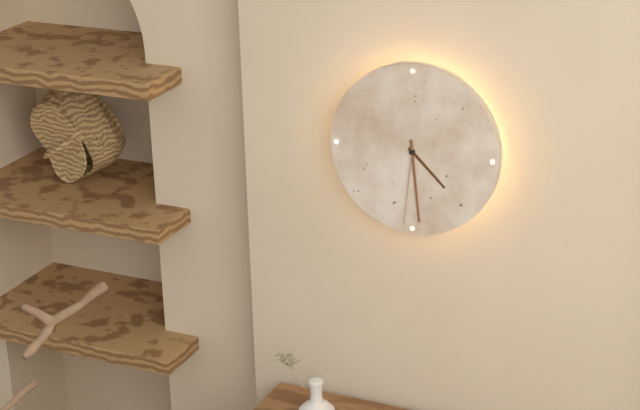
4:29:31
